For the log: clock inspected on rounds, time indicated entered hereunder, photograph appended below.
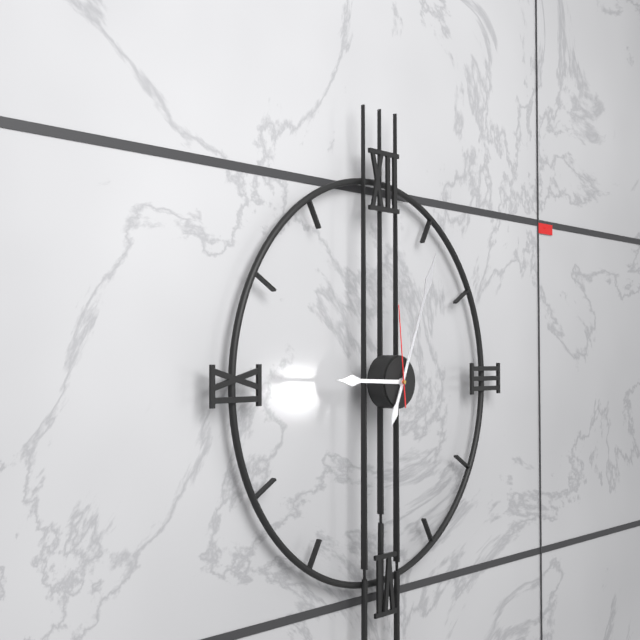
9:04:59
